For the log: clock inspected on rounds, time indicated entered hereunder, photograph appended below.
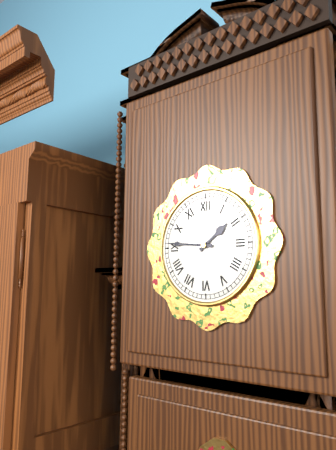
1:46
